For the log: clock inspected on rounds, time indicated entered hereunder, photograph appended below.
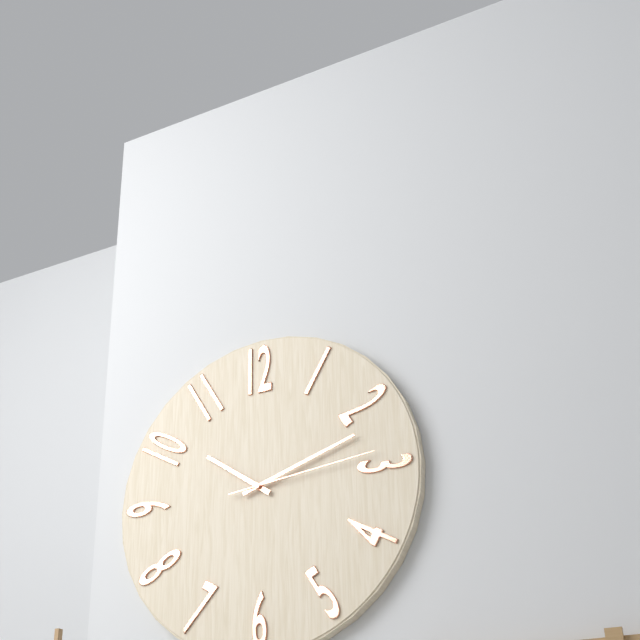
10:12:14
